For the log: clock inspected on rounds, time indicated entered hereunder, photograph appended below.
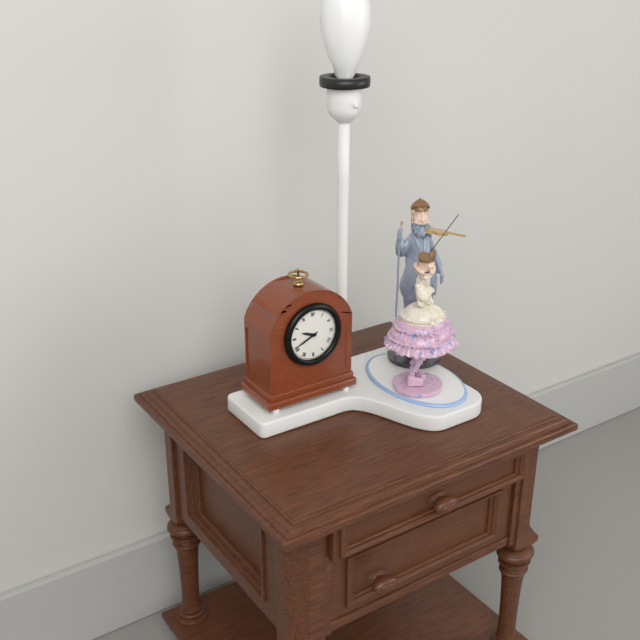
9:41
